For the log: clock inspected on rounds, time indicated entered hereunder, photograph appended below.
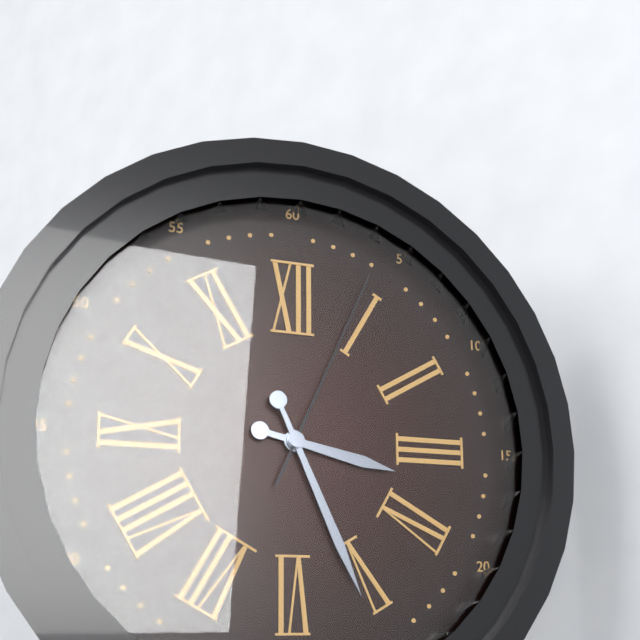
3:26:04
